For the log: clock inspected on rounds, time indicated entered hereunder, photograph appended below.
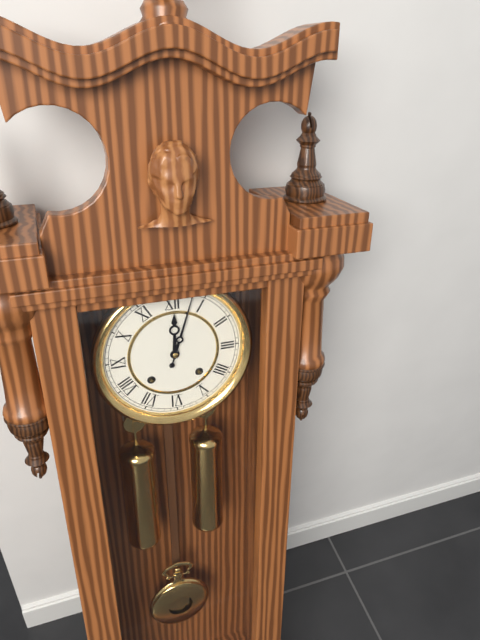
12:03
